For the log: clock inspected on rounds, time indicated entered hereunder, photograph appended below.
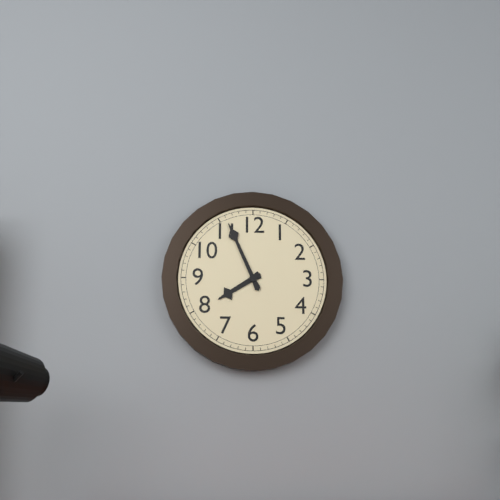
7:56
